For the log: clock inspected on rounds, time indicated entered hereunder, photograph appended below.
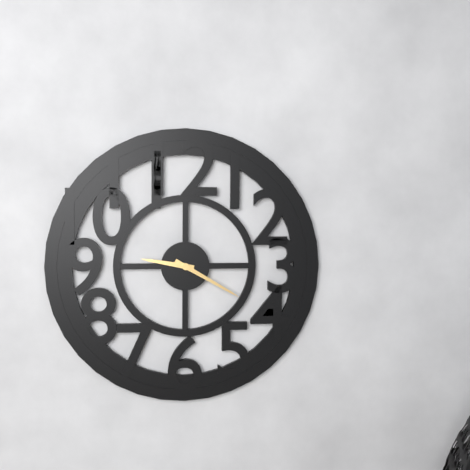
9:20
